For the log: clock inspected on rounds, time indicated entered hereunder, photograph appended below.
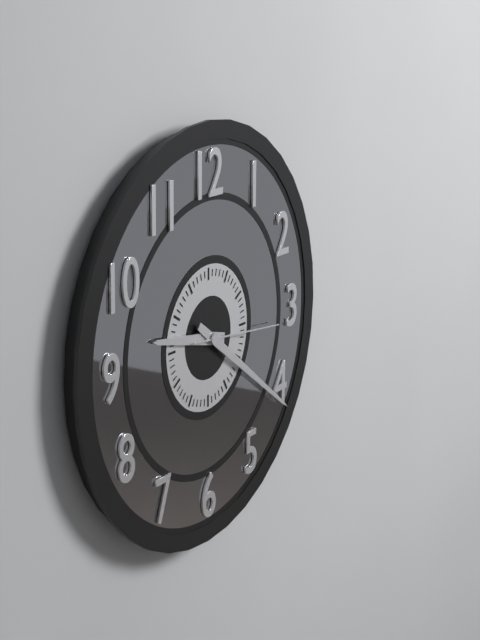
9:21:16
